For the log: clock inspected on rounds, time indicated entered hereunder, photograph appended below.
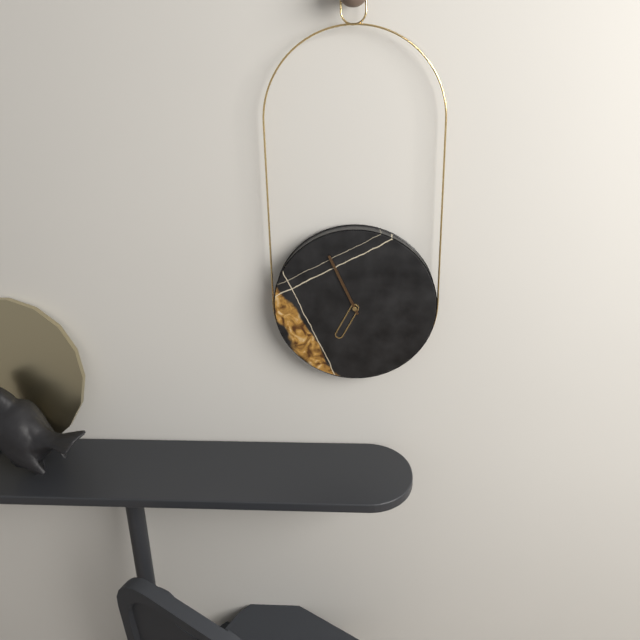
6:56
